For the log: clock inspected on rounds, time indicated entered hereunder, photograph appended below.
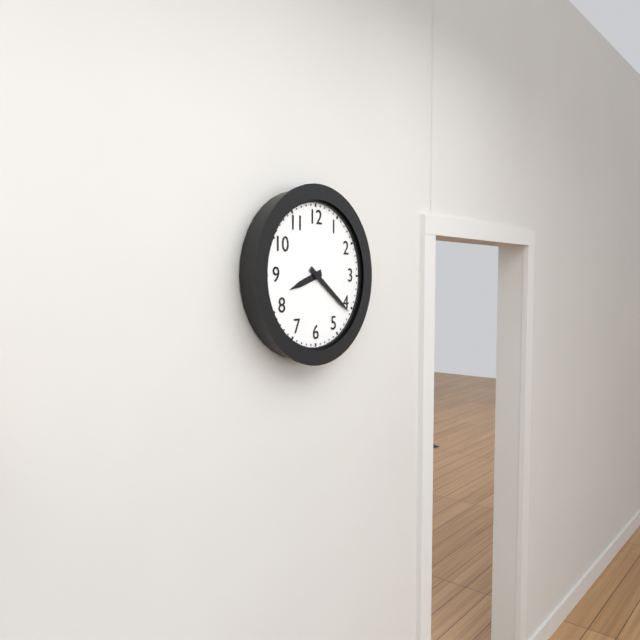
8:21
